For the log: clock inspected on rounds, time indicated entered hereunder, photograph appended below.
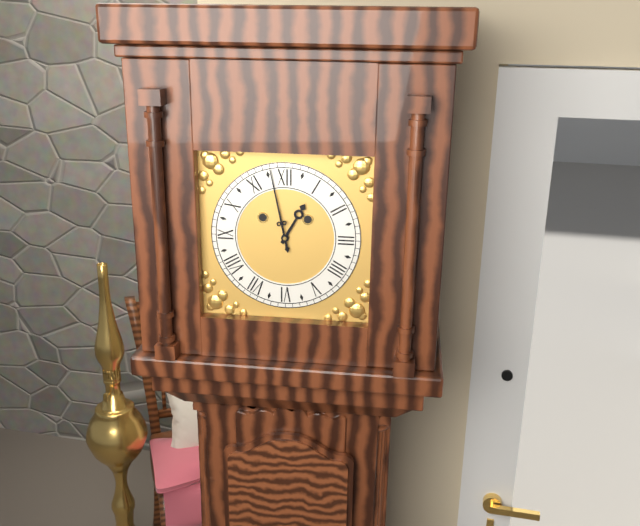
12:58
